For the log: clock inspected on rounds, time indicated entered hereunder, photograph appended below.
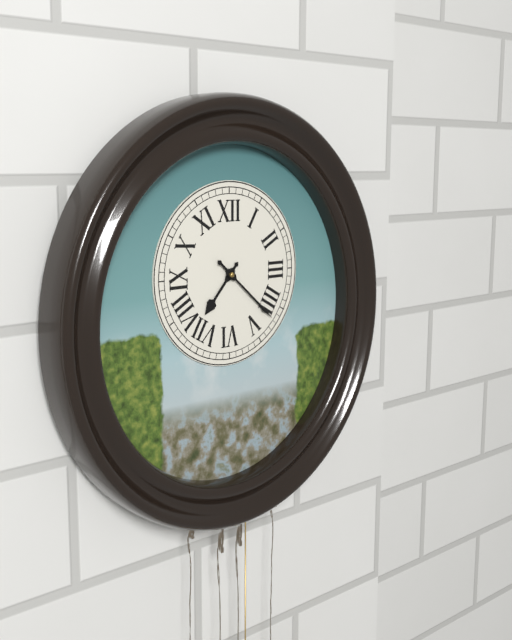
7:22
